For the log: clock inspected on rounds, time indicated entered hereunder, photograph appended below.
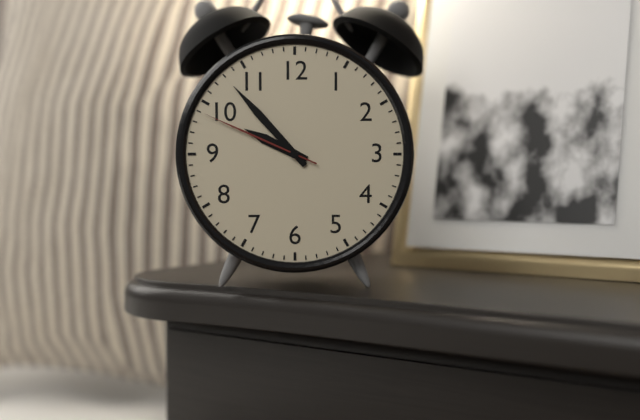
9:53:49
